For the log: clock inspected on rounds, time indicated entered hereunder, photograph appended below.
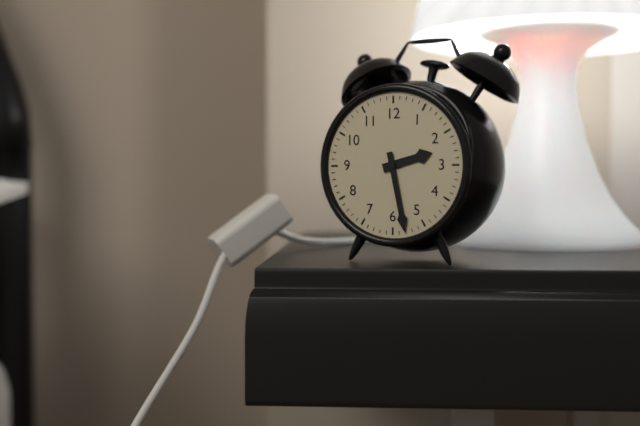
2:28
